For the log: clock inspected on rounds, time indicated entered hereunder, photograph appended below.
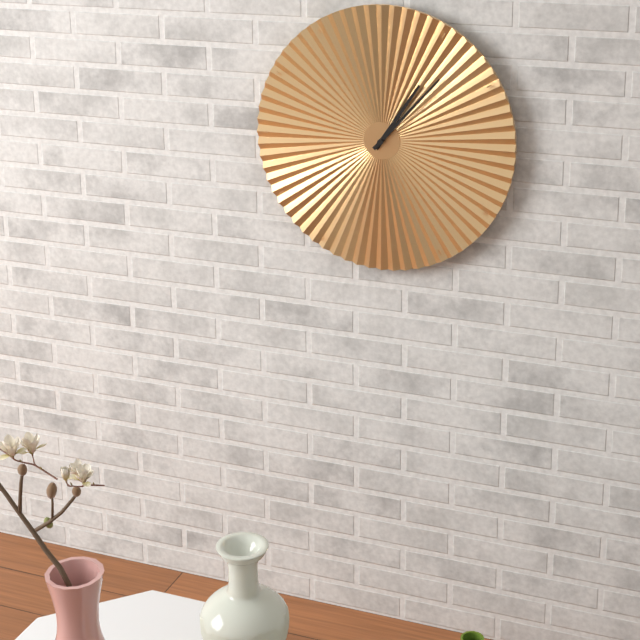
1:07
